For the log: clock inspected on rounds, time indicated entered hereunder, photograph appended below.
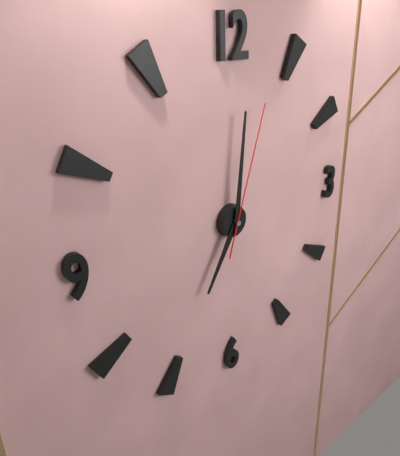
7:01:03
